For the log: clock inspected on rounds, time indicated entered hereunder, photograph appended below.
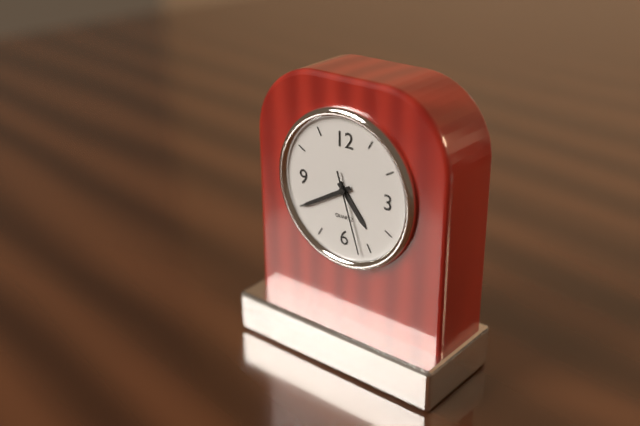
4:40:27
